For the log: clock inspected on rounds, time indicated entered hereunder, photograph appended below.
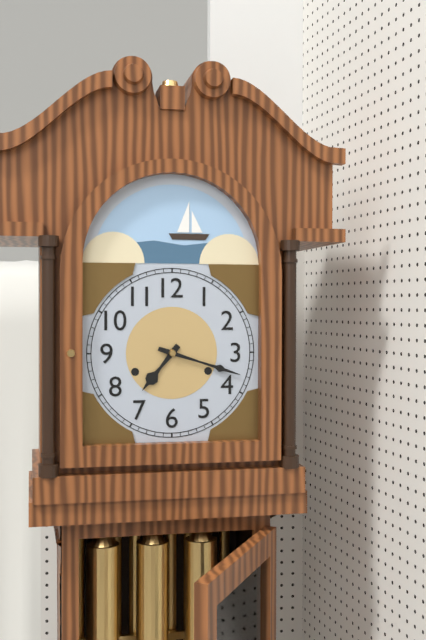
7:18
